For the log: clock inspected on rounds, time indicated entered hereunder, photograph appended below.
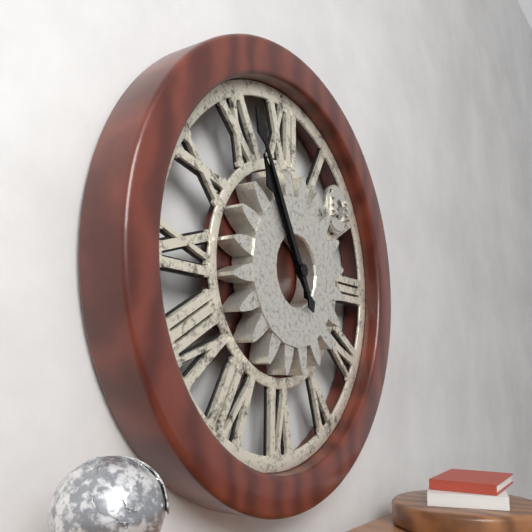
10:55
